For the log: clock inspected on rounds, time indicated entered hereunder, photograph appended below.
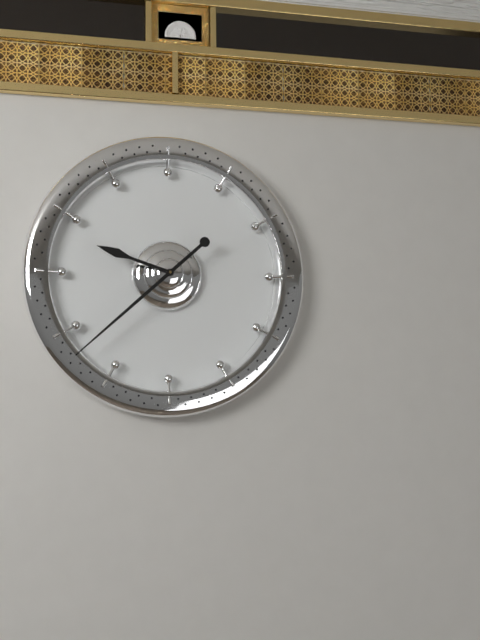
9:38
